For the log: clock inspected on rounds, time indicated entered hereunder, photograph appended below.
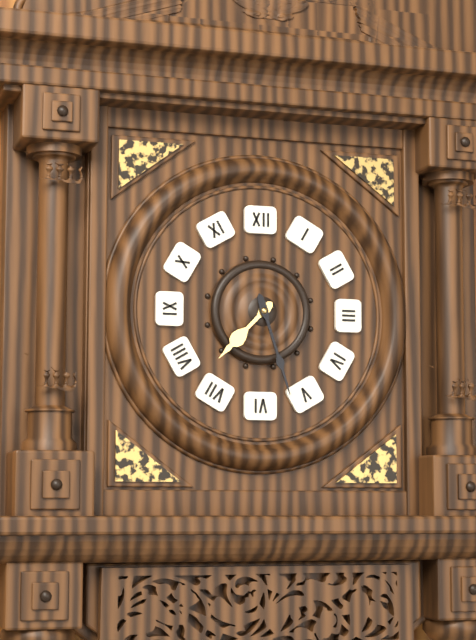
7:27
